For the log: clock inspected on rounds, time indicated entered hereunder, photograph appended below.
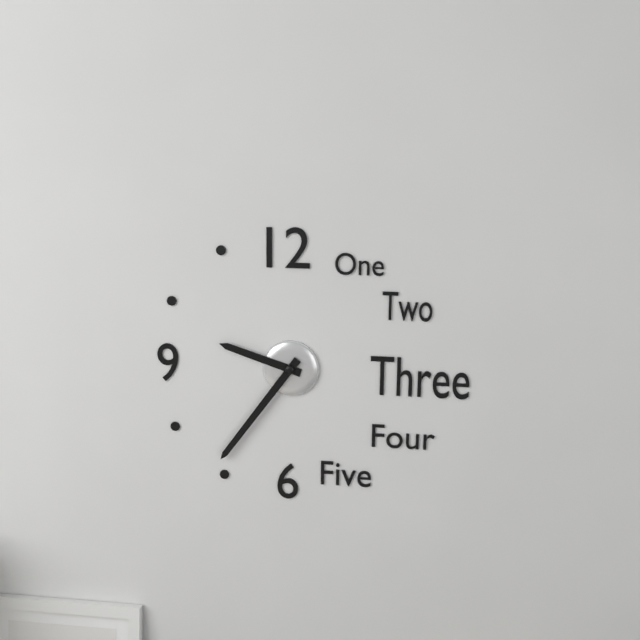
9:36
